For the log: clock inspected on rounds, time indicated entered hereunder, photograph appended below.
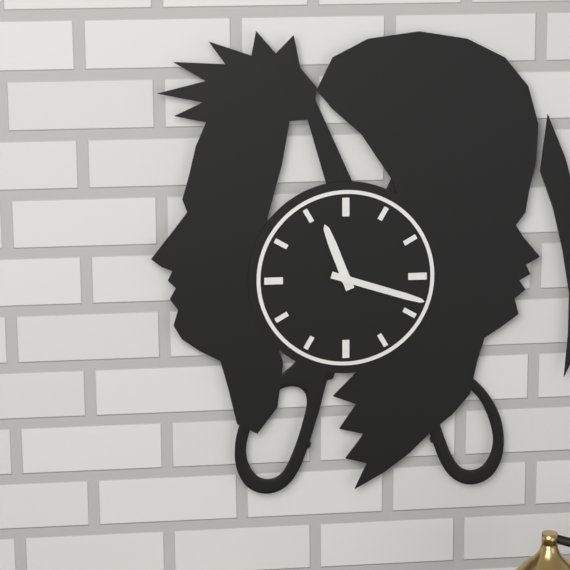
11:18
